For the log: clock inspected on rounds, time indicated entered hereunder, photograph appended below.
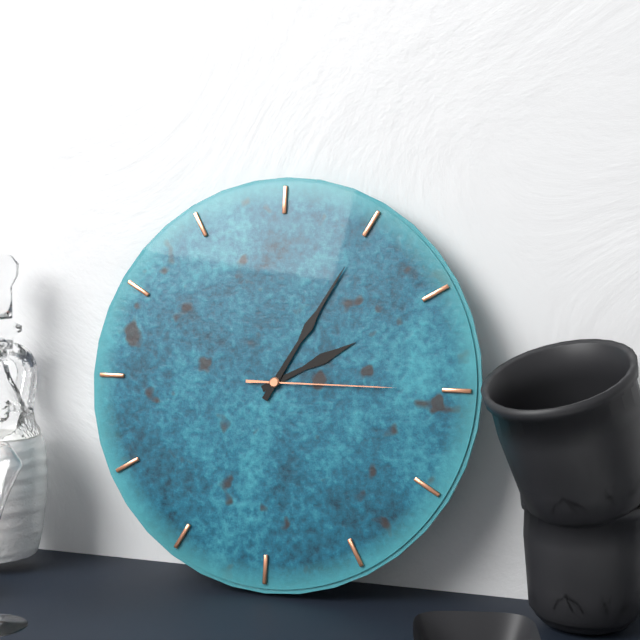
2:05:15
